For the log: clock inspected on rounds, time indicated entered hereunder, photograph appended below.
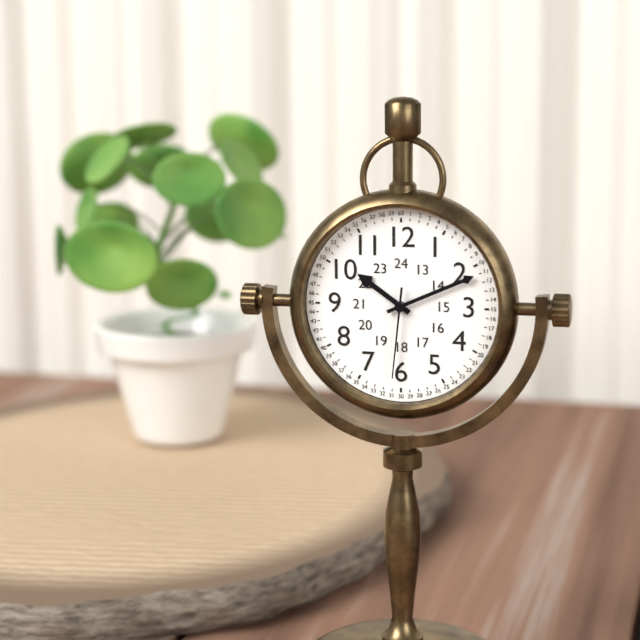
10:11:31
